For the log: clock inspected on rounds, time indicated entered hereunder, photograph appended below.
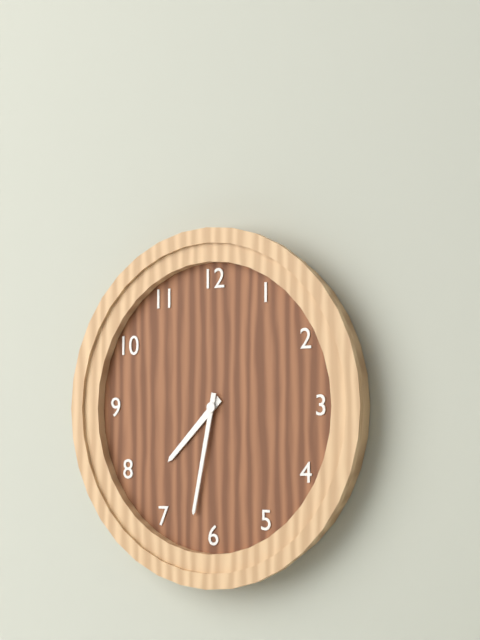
7:32
